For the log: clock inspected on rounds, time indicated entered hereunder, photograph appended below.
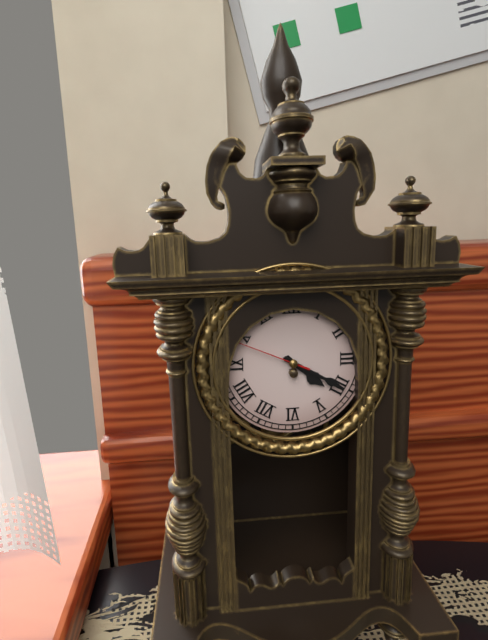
4:20:49
